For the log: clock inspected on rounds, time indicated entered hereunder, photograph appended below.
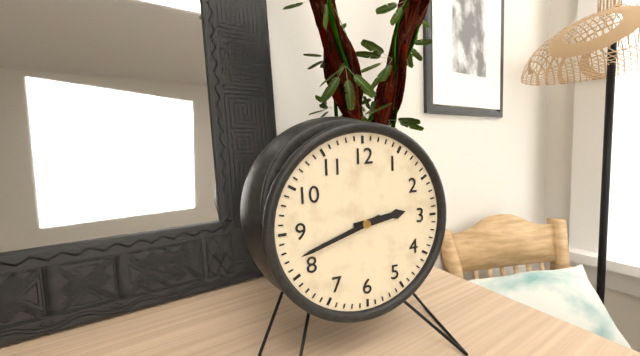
2:42
